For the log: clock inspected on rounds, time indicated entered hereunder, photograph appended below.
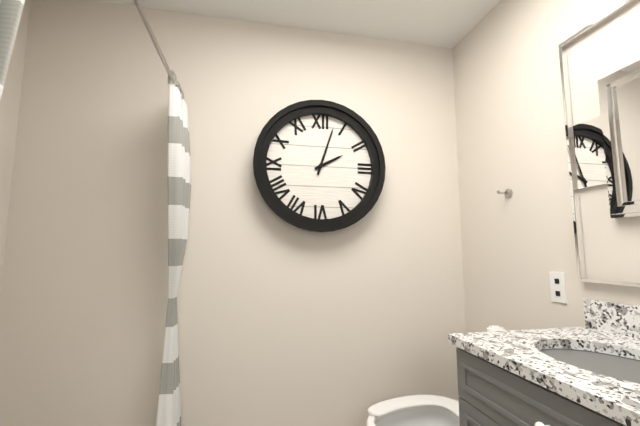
2:03
